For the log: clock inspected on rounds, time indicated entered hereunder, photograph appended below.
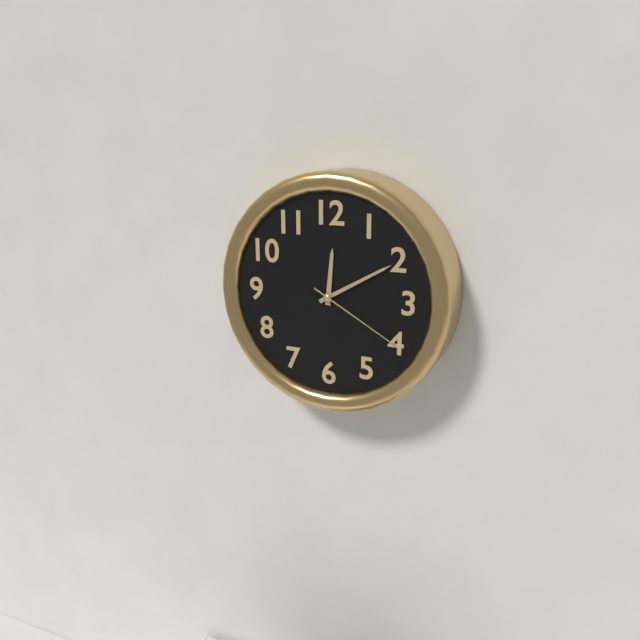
12:10:20
